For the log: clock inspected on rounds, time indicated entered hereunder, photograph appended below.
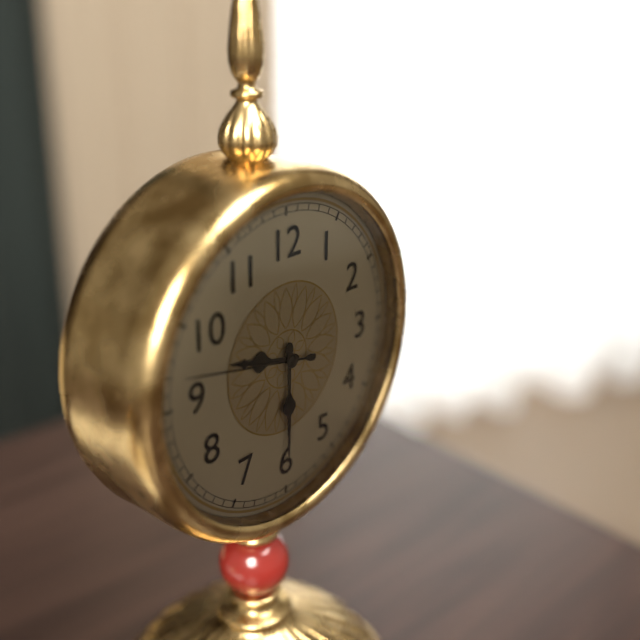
9:30:47
